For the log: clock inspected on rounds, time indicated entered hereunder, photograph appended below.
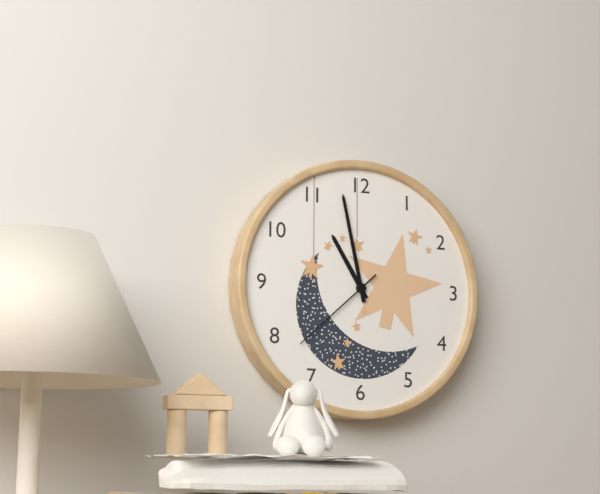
10:58:38
